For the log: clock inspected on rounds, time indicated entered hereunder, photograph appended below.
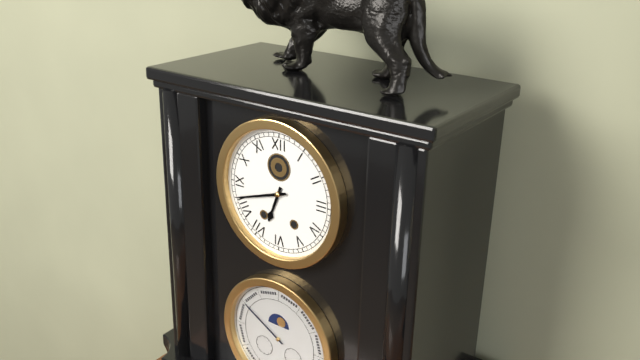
6:42
